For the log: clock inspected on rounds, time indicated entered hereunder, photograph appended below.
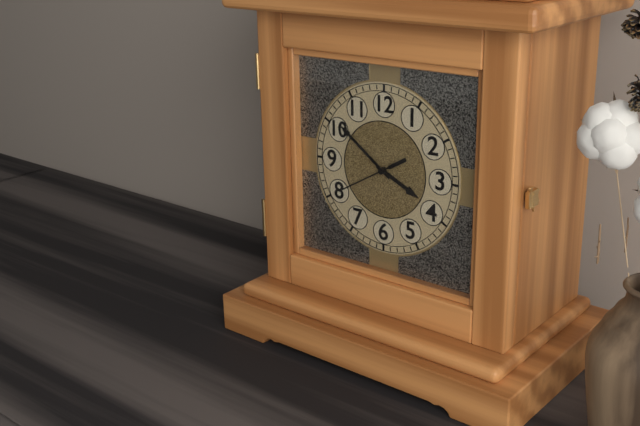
3:51:40
